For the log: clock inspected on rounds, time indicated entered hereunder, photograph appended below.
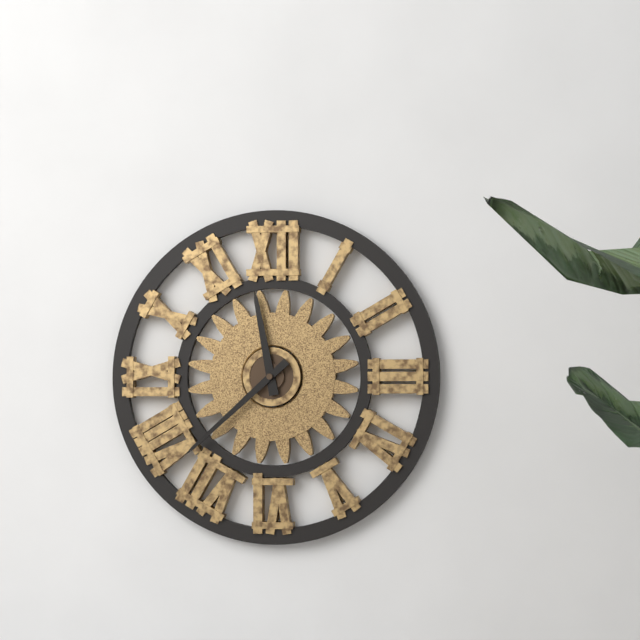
11:38
